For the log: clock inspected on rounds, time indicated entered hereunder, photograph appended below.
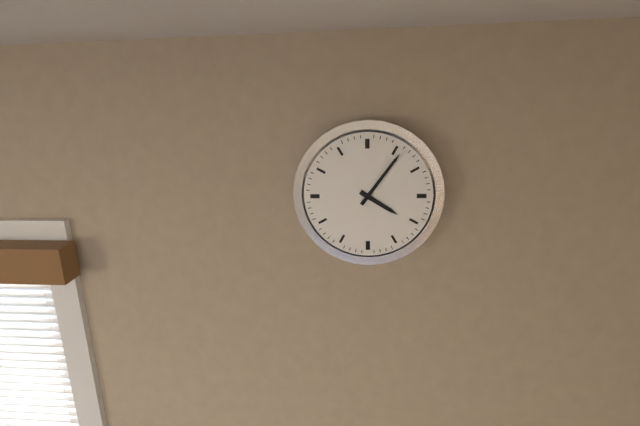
4:06
